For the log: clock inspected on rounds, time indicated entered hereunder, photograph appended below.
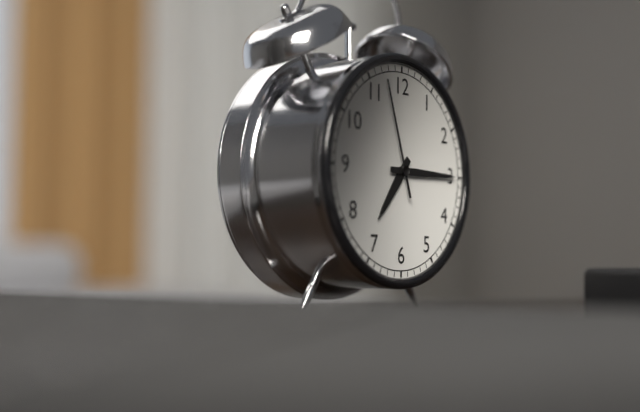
7:15:57
